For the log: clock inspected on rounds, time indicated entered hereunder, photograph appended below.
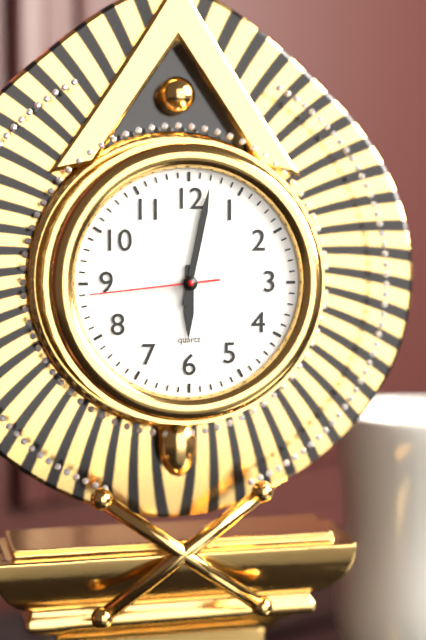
6:02:44
